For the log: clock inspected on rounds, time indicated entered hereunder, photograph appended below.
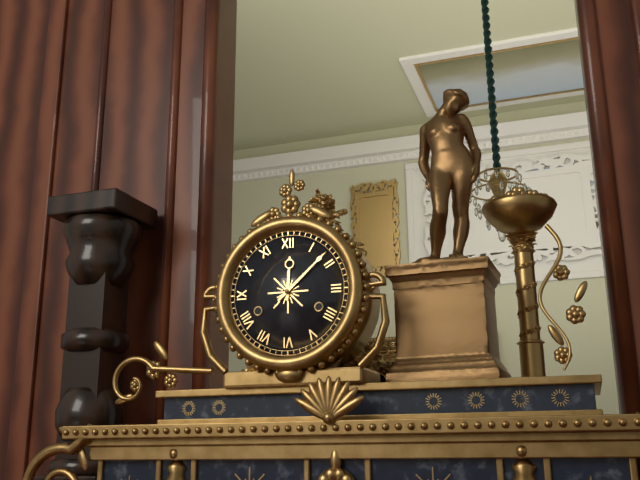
12:08
